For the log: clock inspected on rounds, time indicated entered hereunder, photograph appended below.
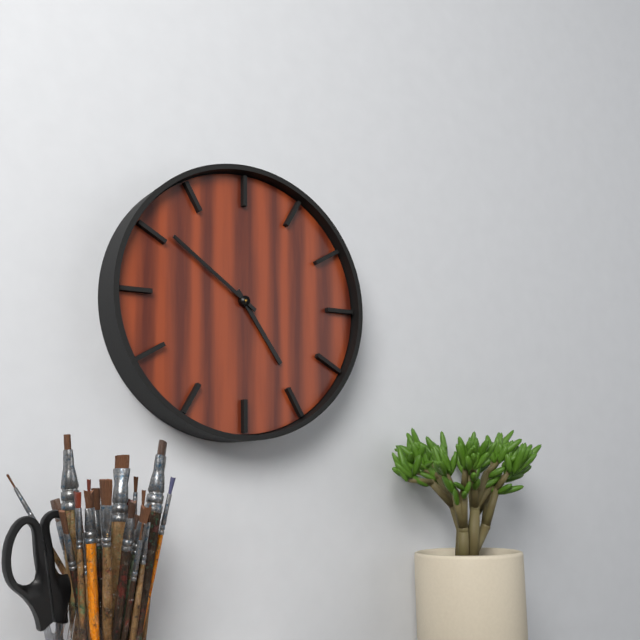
4:51
